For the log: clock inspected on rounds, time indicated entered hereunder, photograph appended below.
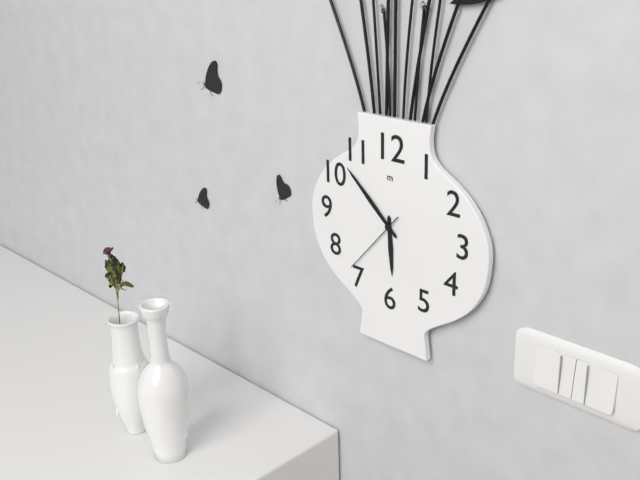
5:52:37
